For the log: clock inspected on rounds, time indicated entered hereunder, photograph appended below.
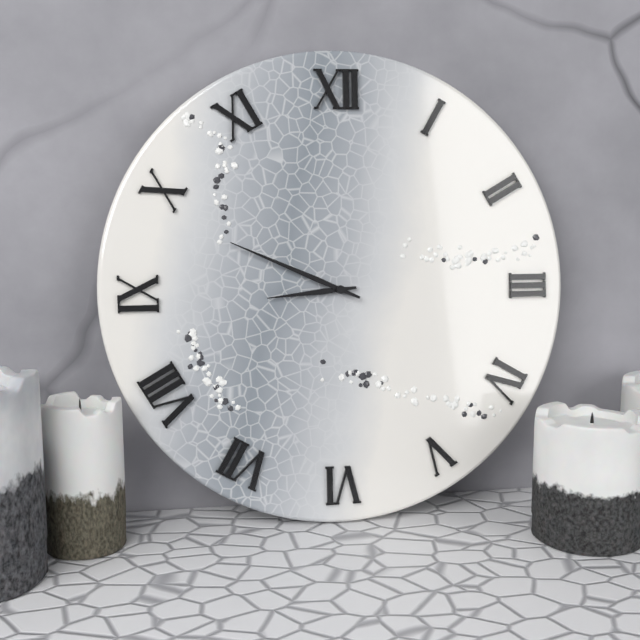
8:49
